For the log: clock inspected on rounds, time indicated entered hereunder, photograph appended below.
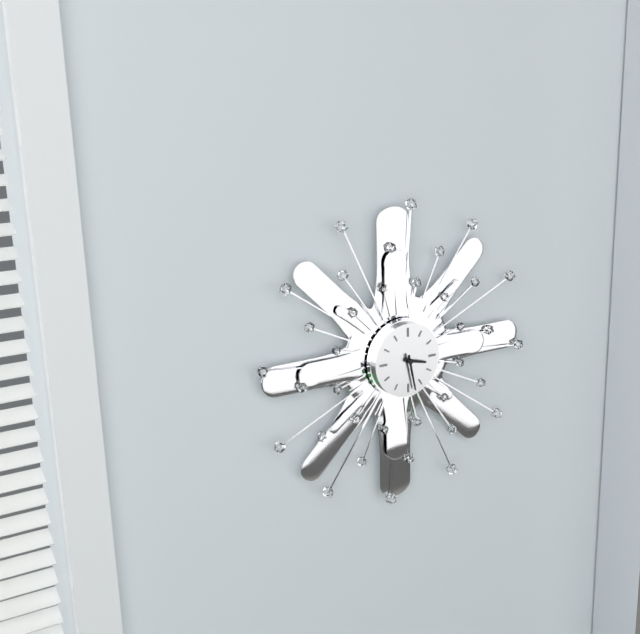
3:28
